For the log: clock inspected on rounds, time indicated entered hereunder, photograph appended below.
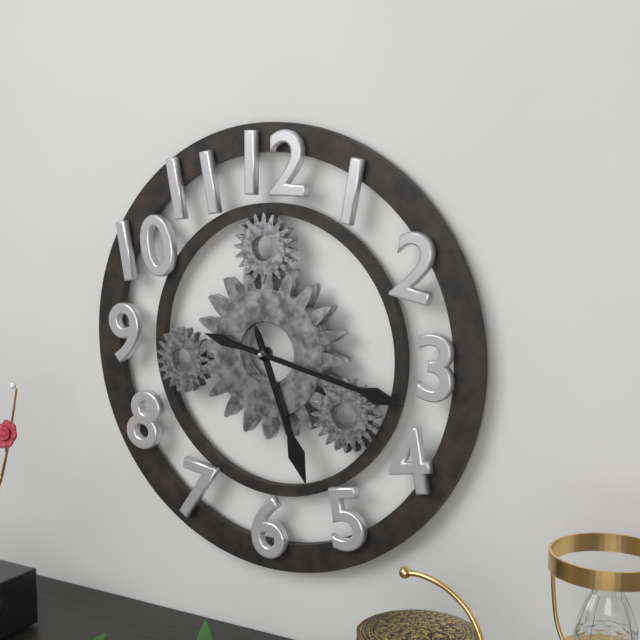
5:17
